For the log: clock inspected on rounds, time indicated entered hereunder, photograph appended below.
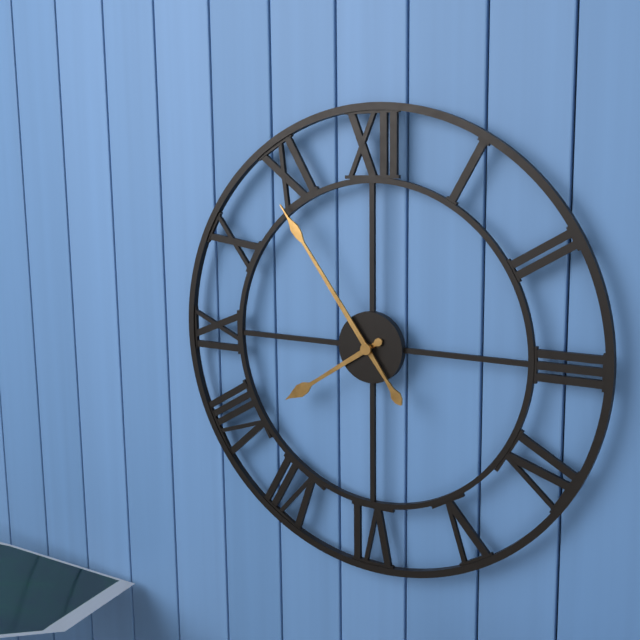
7:54
